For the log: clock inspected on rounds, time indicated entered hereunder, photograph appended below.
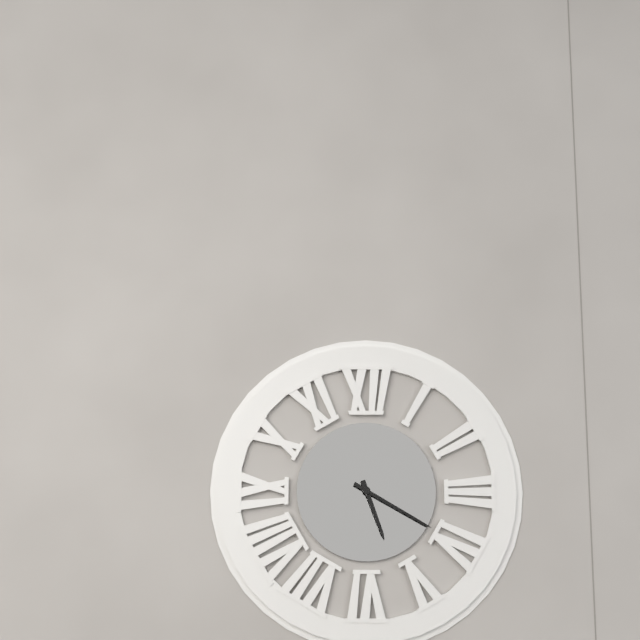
5:20
